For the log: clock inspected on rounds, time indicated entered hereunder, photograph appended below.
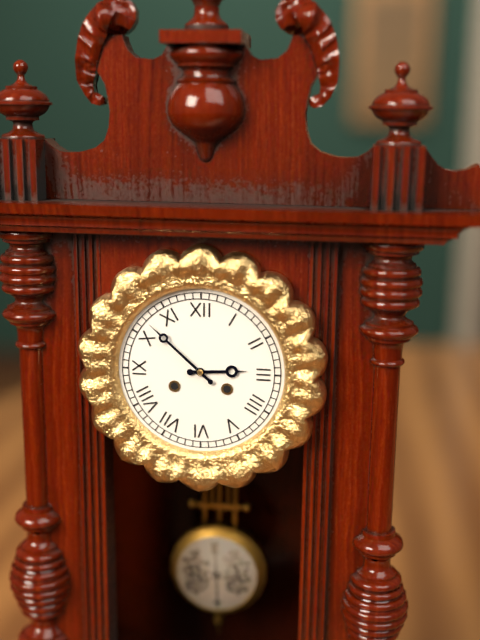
2:52
